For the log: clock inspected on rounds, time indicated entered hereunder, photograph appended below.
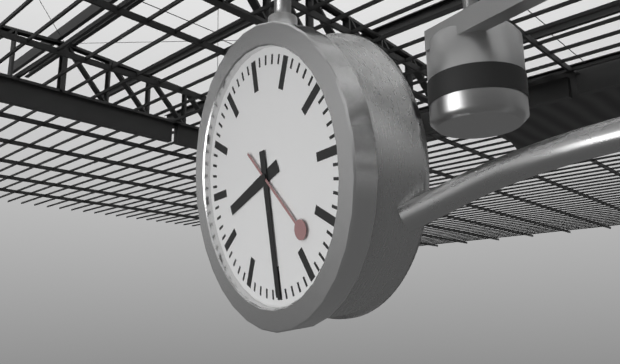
8:30:23
